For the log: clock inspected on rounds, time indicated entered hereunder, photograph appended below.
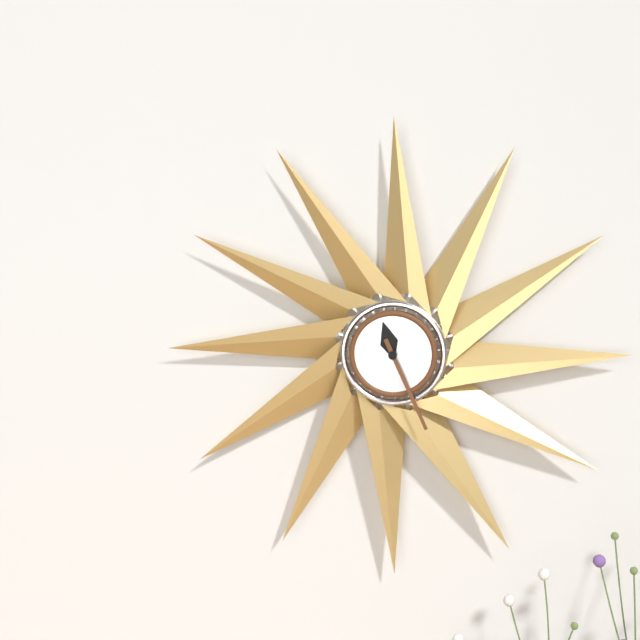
11:26
